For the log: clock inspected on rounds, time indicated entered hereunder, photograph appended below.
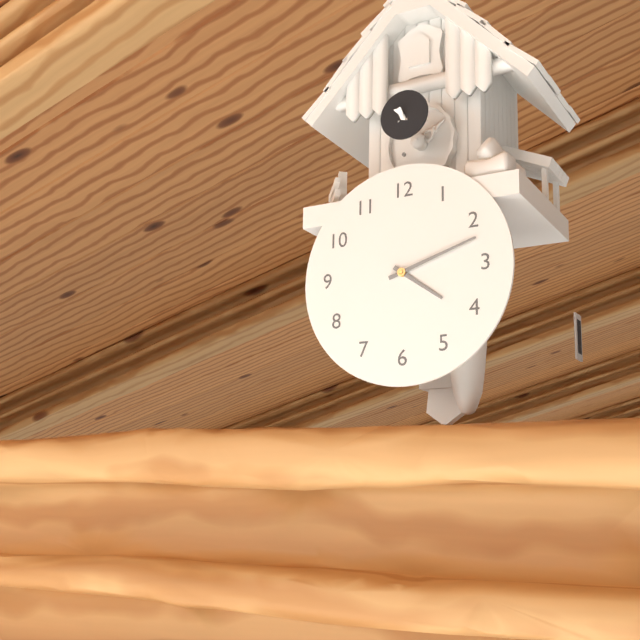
4:12
